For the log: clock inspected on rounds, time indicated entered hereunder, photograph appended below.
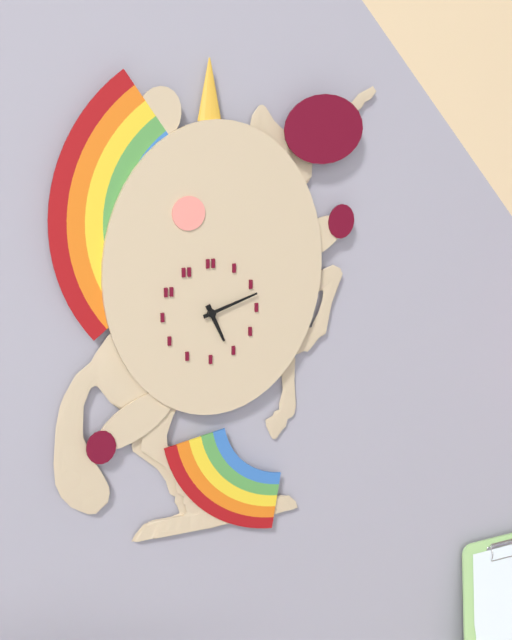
5:12
